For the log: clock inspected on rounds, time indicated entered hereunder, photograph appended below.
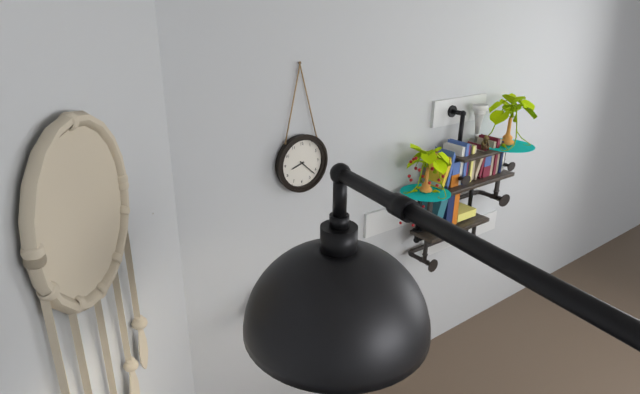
8:22
